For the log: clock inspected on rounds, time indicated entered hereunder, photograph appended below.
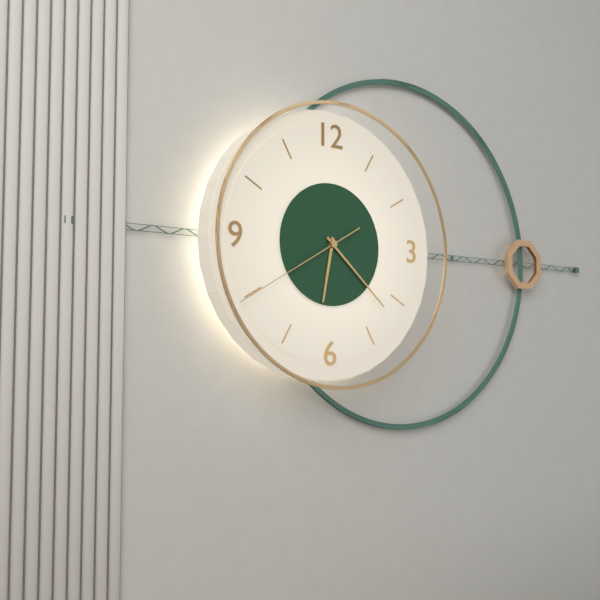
6:22:40
